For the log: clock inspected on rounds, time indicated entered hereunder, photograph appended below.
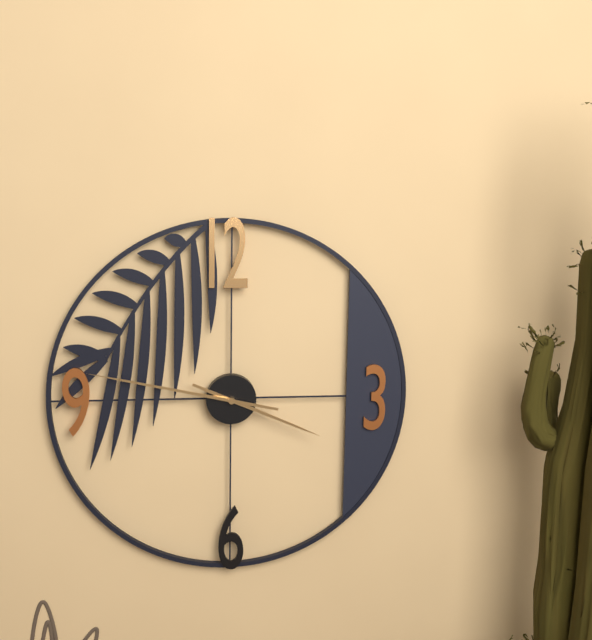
3:47
